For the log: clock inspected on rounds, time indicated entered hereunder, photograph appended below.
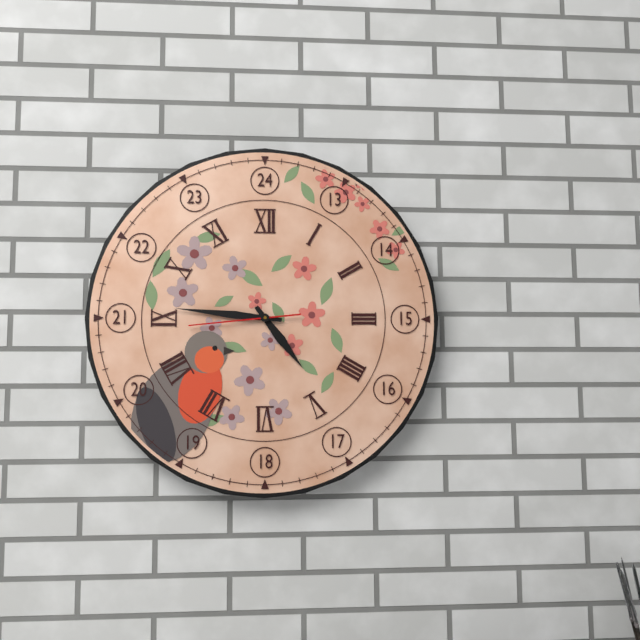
4:46:44
